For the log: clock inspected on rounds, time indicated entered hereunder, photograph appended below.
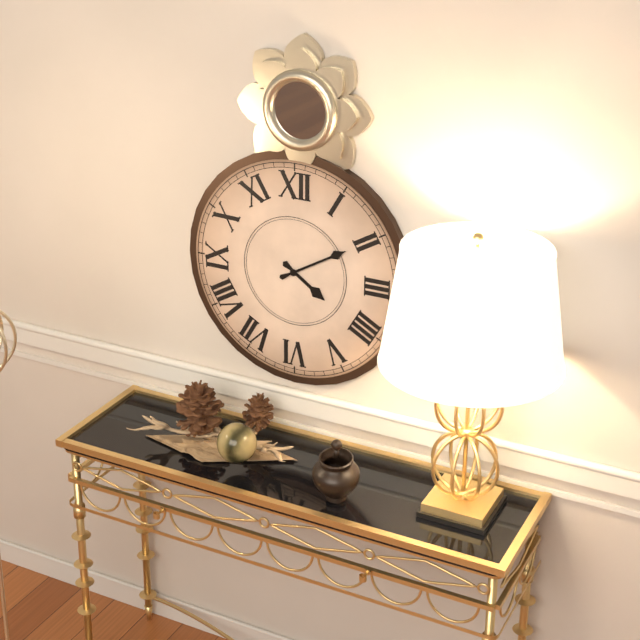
4:10
